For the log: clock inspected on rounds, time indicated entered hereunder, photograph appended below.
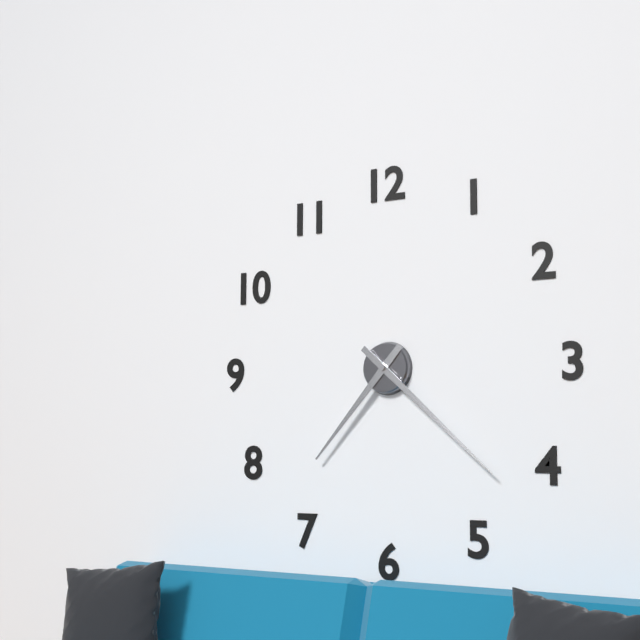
7:22
